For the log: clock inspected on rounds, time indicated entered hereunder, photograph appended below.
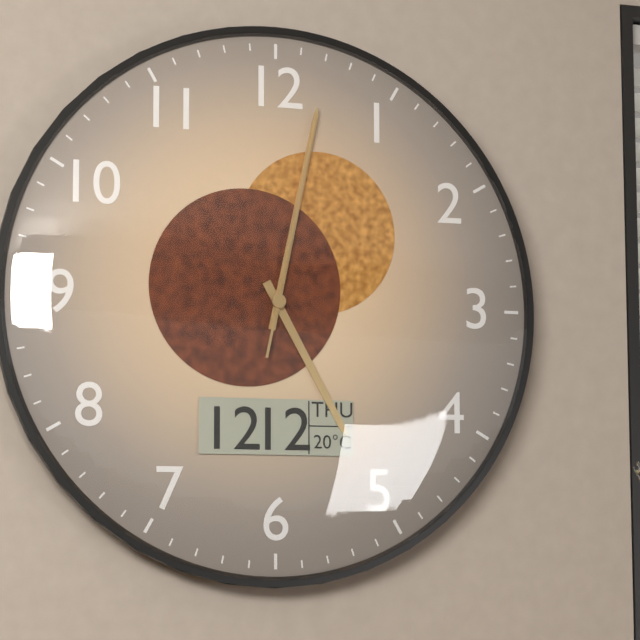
5:02:02
